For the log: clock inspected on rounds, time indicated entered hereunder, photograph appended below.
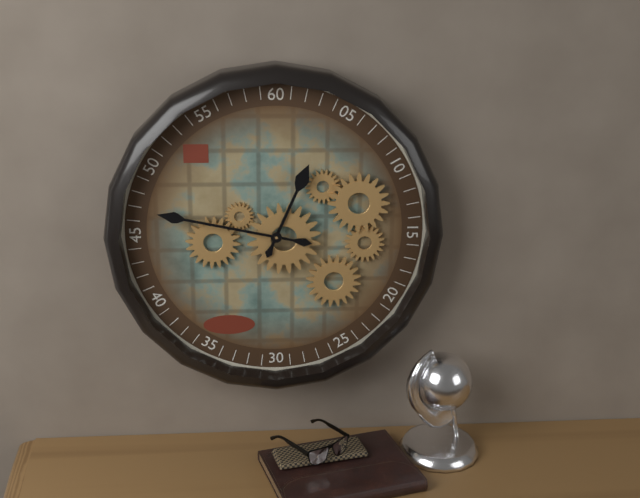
12:47
